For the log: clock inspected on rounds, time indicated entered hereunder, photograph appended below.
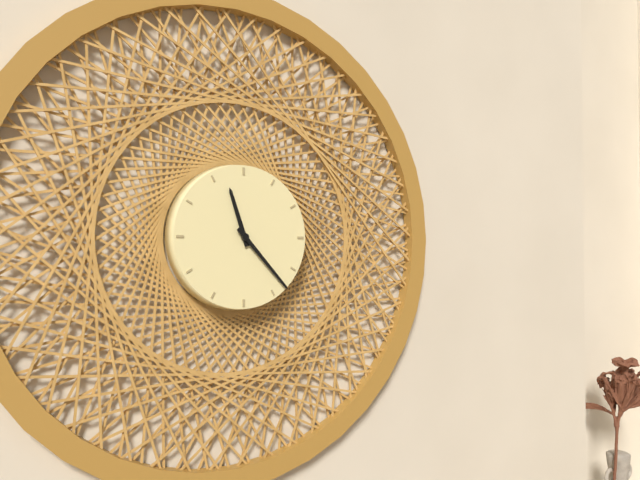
11:23
